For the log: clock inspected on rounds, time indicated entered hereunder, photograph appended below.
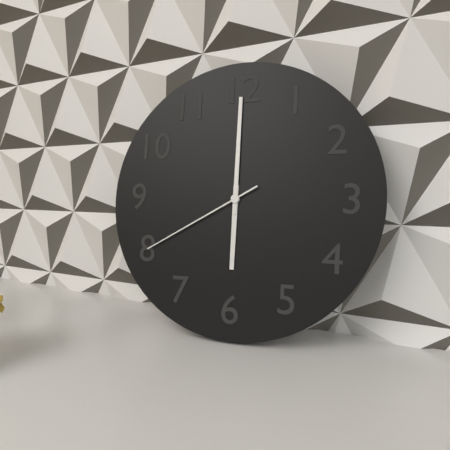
6:00:40
